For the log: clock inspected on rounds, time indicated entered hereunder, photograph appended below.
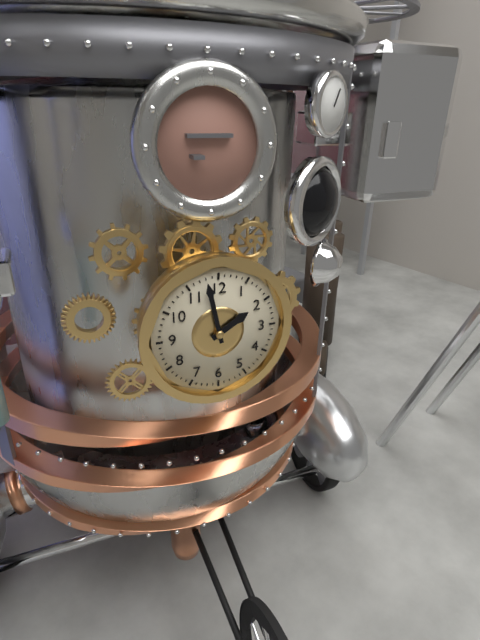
1:58
